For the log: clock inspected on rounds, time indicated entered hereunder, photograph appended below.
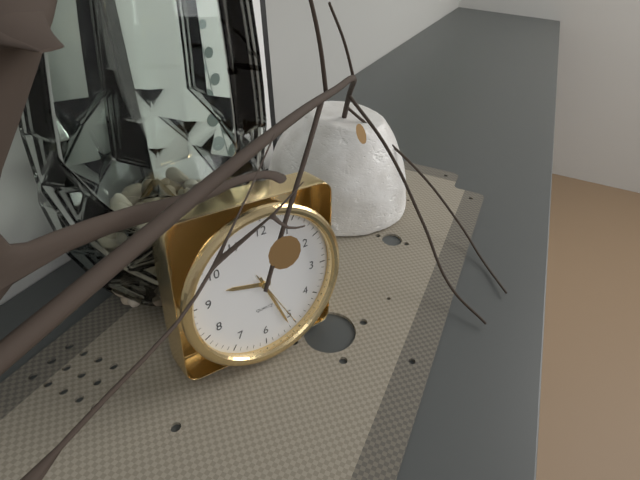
9:26:25
